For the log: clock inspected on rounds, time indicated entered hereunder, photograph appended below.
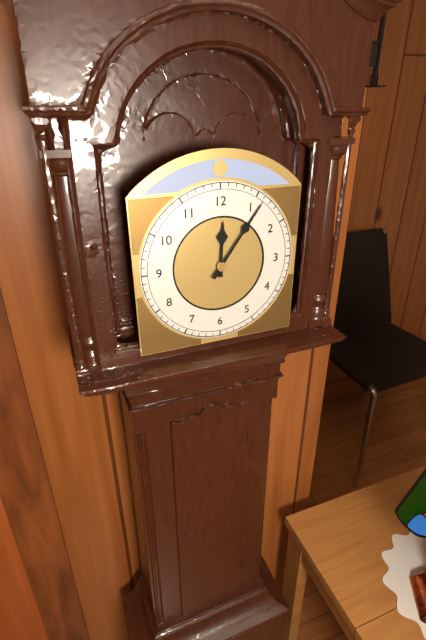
12:06
